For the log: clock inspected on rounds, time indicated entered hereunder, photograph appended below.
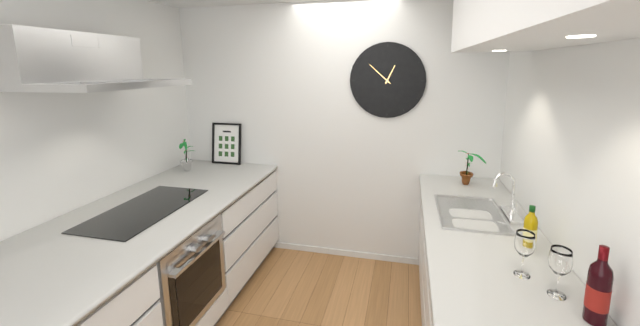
12:52
